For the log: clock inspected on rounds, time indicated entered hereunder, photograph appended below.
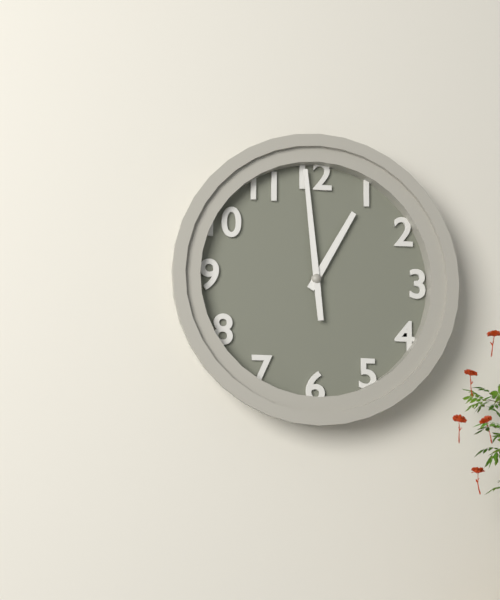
12:59
